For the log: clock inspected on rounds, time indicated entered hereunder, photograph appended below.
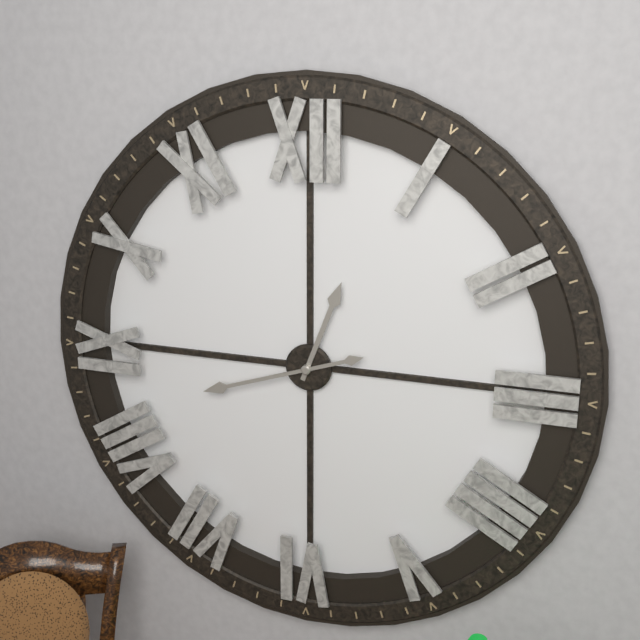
12:42
